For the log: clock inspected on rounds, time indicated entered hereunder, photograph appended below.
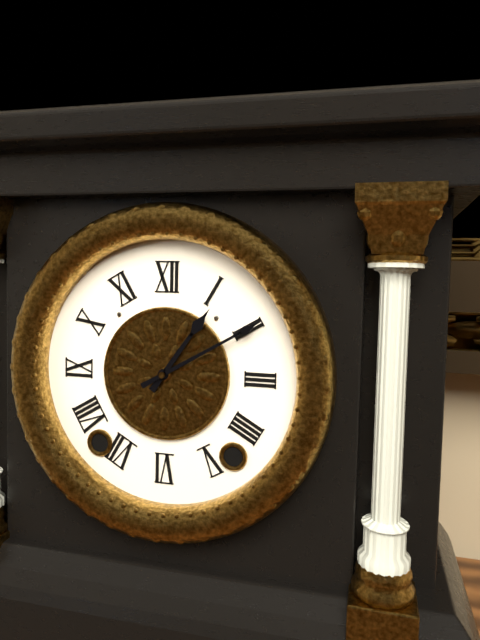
1:10
